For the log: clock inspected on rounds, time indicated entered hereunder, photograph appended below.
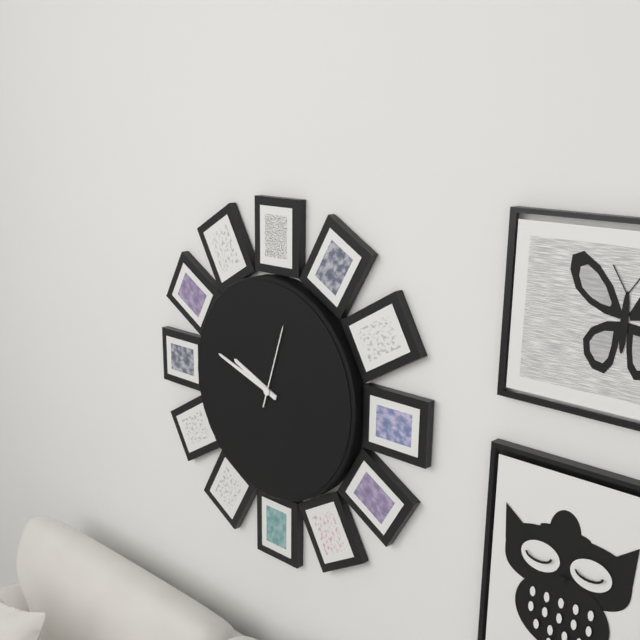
9:48:03
